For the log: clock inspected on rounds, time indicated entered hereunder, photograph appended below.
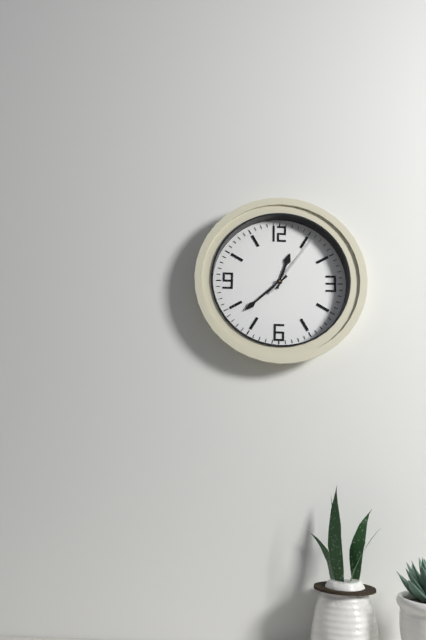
12:38:06
